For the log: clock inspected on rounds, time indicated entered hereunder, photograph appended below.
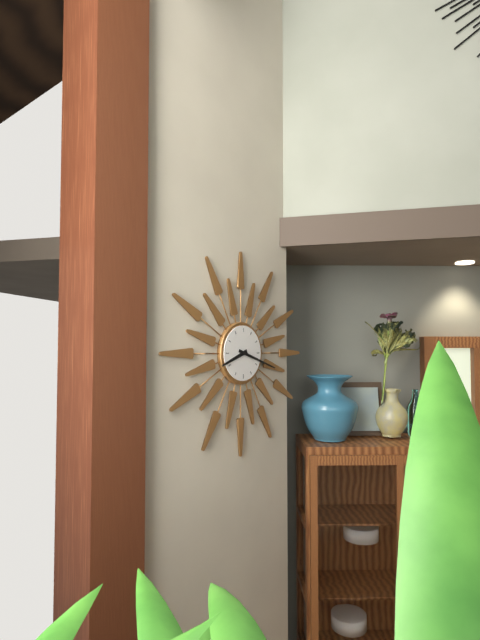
8:18
